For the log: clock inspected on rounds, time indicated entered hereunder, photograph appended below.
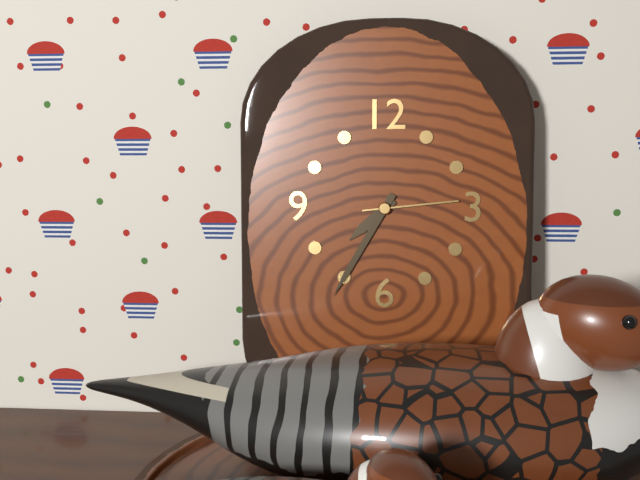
7:35:14
